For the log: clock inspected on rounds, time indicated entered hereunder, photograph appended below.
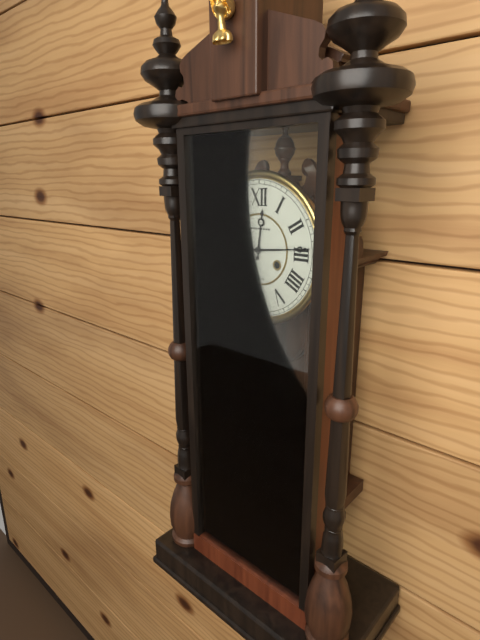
12:14
